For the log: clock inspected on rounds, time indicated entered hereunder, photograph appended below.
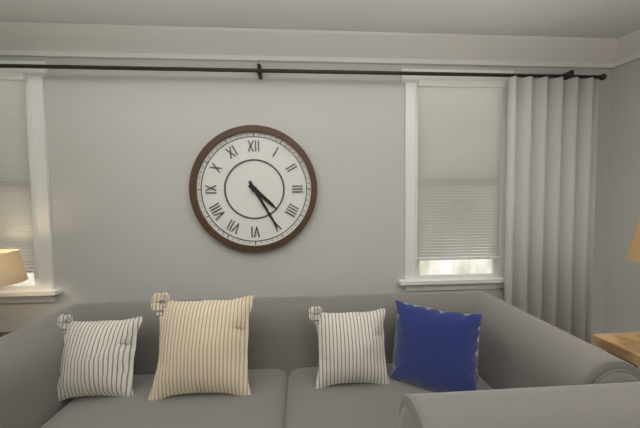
4:25
